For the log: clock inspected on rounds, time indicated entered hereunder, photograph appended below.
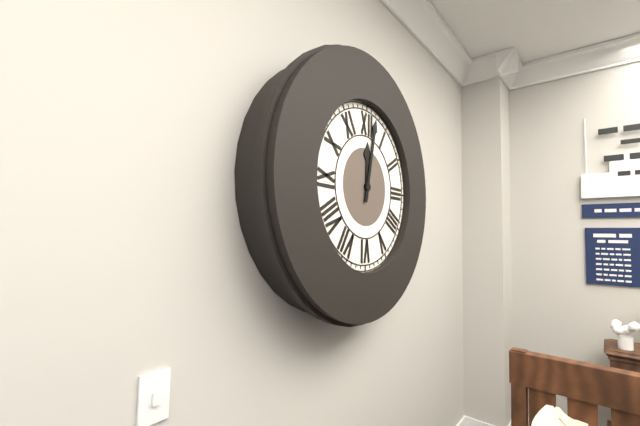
12:02
